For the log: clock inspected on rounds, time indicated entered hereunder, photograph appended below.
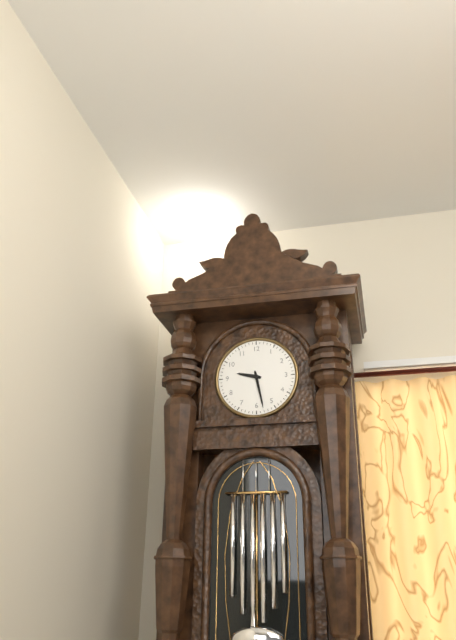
9:28
